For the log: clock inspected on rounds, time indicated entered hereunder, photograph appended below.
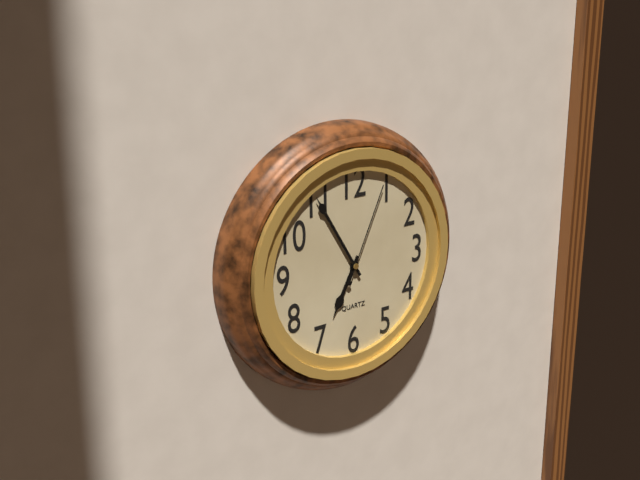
6:55:04
